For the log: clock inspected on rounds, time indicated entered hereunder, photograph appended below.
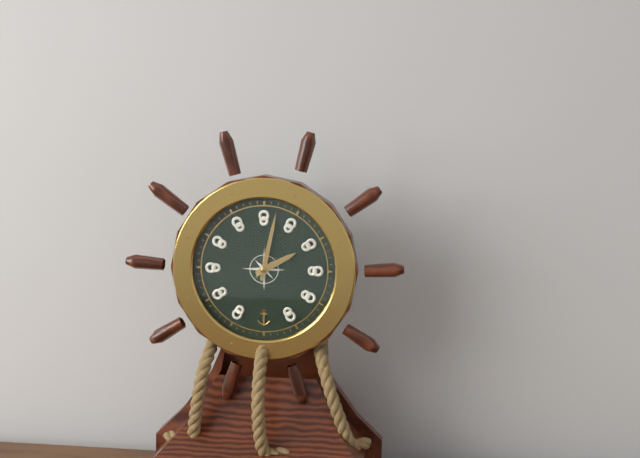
2:02
